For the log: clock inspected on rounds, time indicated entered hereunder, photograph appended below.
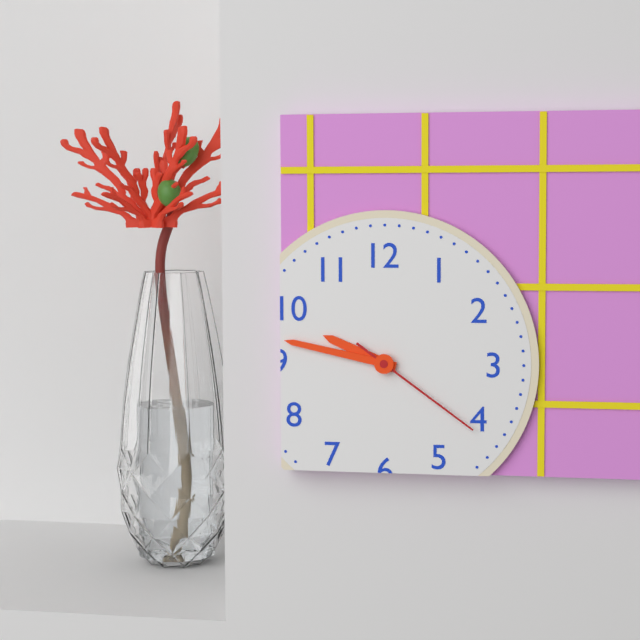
9:47:21
